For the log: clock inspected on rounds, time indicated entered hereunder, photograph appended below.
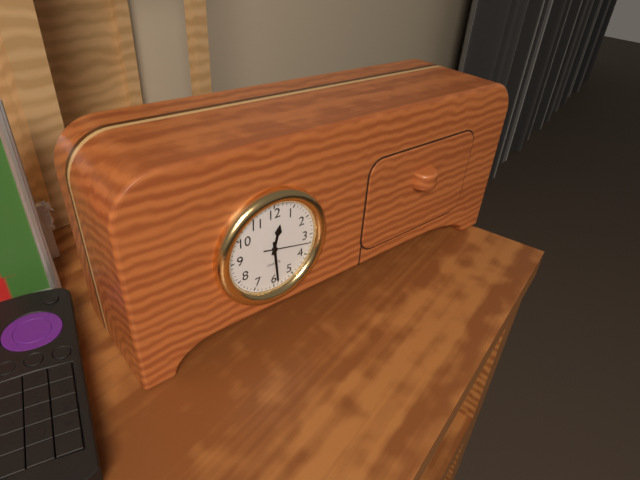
12:29
